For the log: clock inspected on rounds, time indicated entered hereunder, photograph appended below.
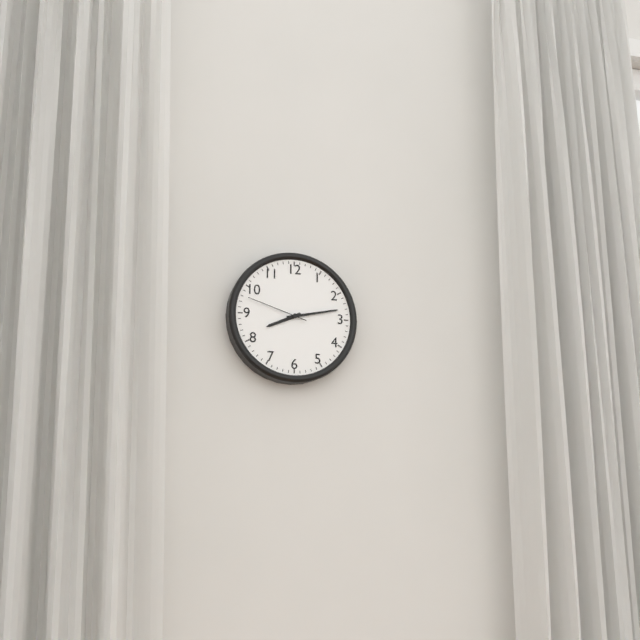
8:13:48
